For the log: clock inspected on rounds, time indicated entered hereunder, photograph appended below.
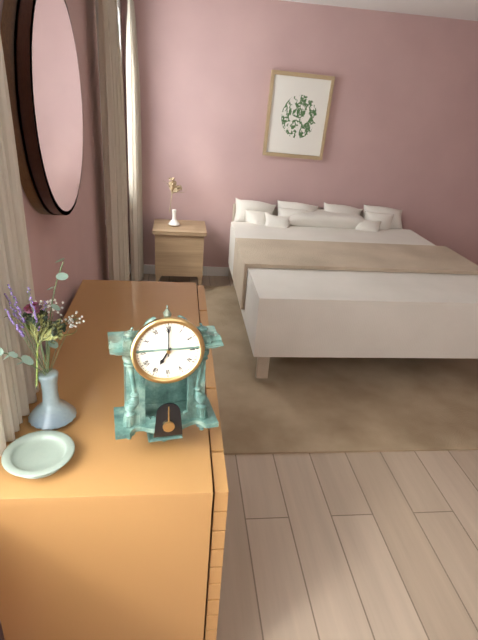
7:00
